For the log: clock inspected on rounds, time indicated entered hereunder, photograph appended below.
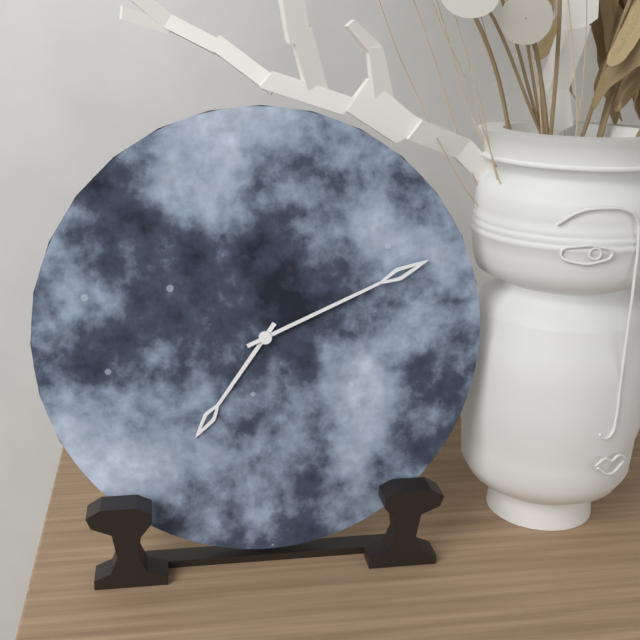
7:11
